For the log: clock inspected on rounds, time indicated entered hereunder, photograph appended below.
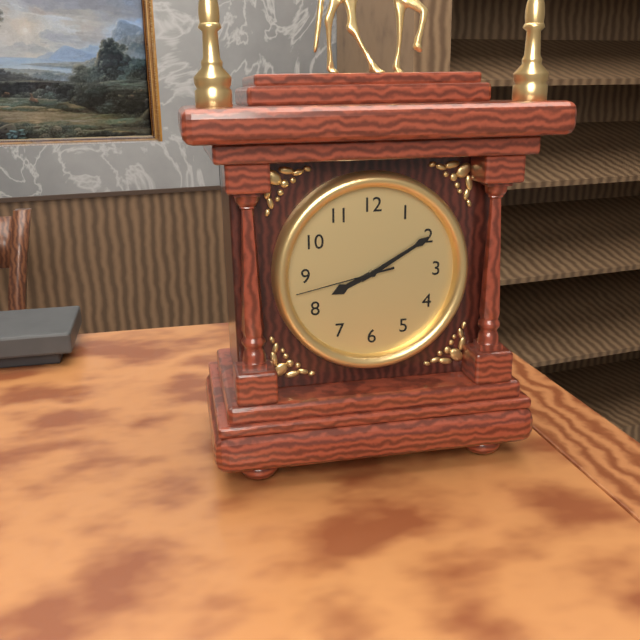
8:10:43
